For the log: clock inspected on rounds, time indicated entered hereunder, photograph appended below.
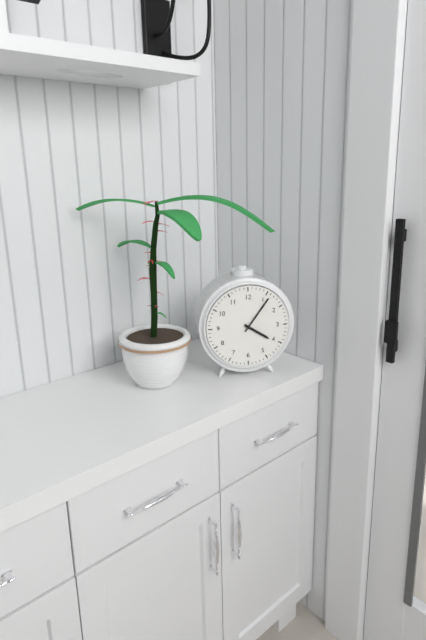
4:06
